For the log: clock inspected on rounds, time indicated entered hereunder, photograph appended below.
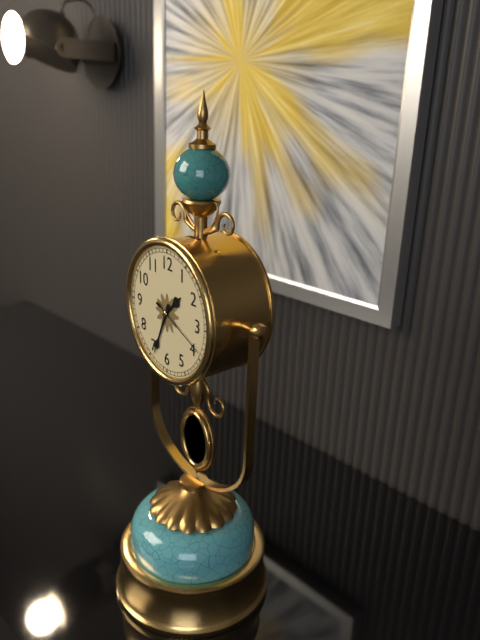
1:34:19
